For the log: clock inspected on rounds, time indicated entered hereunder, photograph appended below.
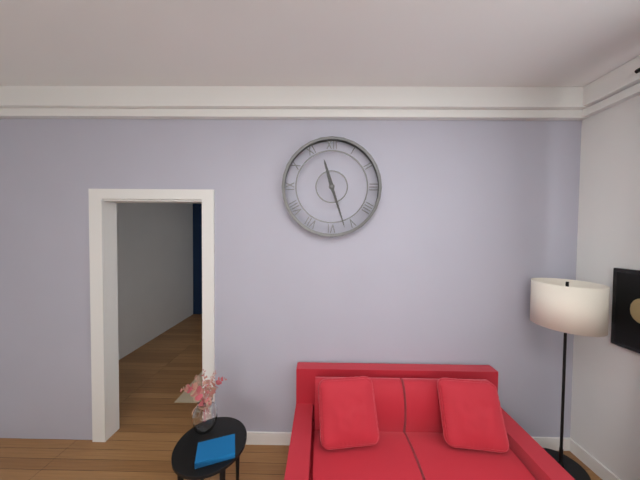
11:27
